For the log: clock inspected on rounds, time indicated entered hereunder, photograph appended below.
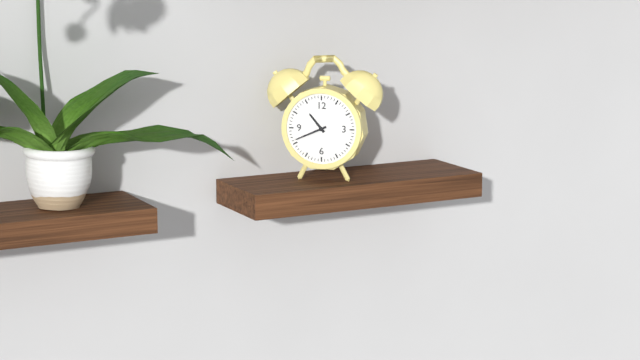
10:41
